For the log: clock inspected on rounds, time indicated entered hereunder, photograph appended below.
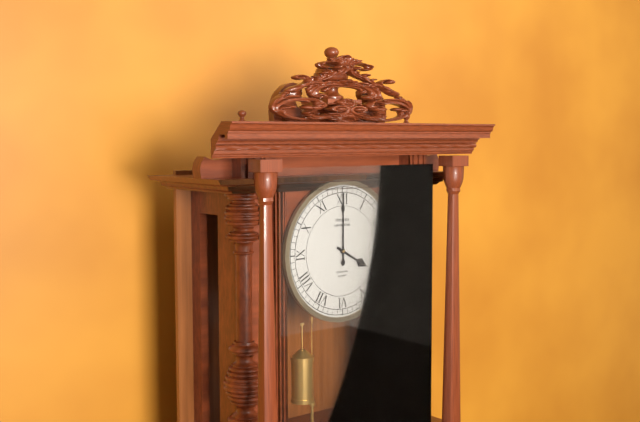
4:00
